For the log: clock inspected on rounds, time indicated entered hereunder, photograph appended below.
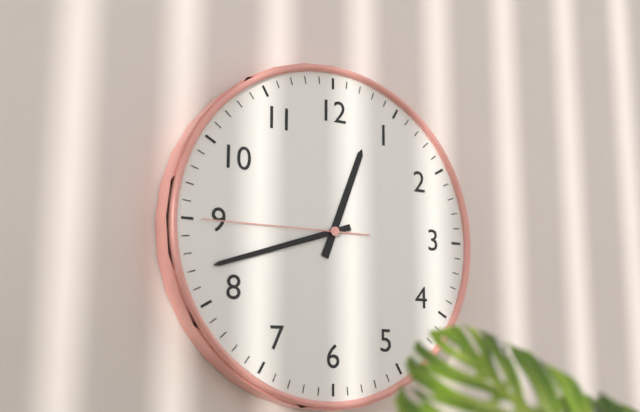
12:42:45
